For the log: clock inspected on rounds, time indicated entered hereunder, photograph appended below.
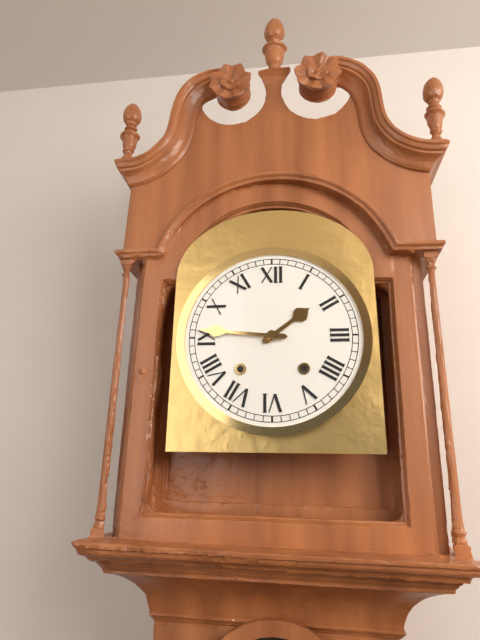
1:46
